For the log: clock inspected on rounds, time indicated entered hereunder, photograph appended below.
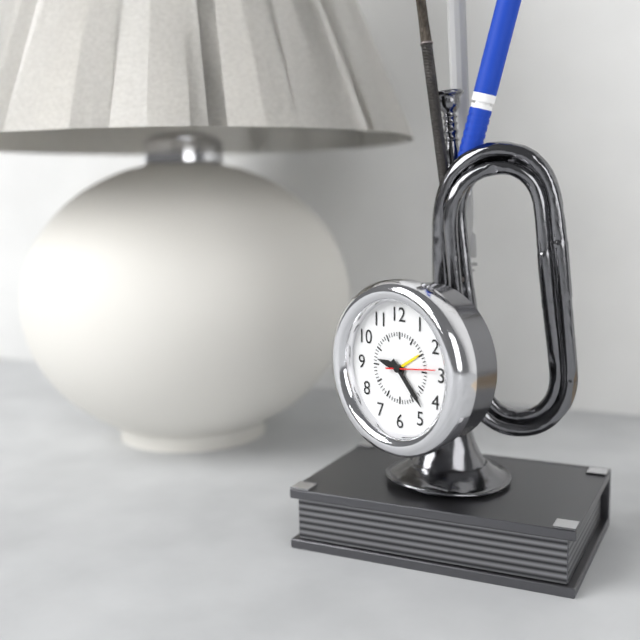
9:23
